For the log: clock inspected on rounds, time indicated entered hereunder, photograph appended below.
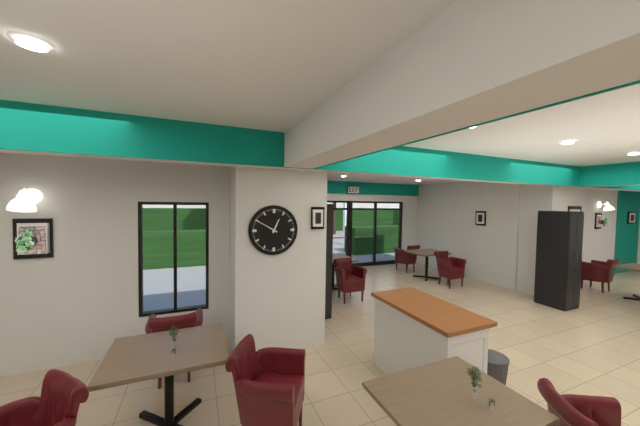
12:50
